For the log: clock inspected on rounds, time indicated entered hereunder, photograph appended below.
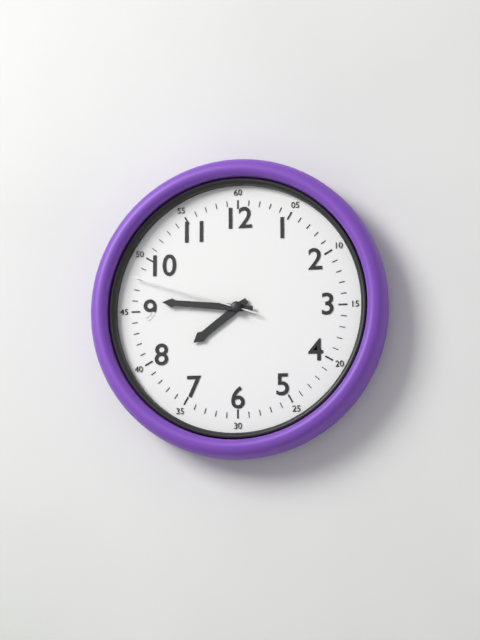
7:46:48
